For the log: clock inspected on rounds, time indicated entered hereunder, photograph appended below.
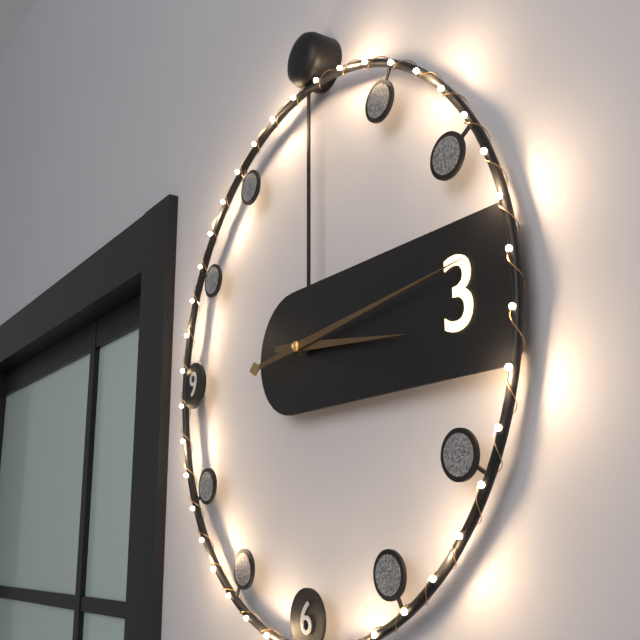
3:14
